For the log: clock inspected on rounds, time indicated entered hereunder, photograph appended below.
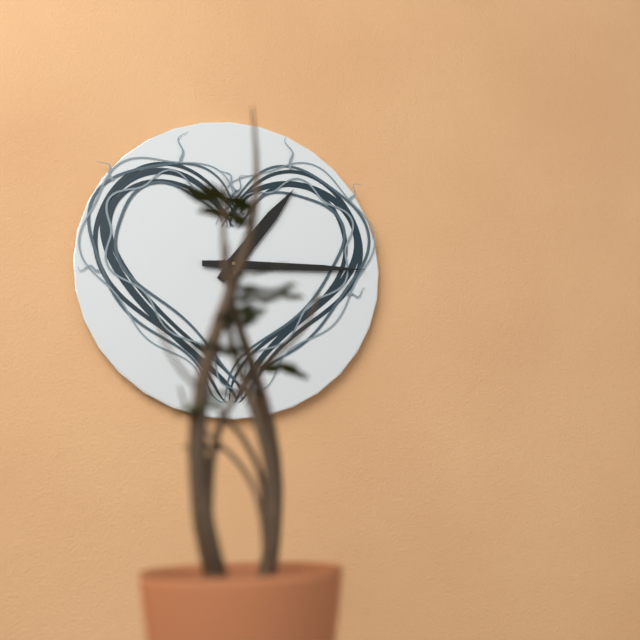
1:15
